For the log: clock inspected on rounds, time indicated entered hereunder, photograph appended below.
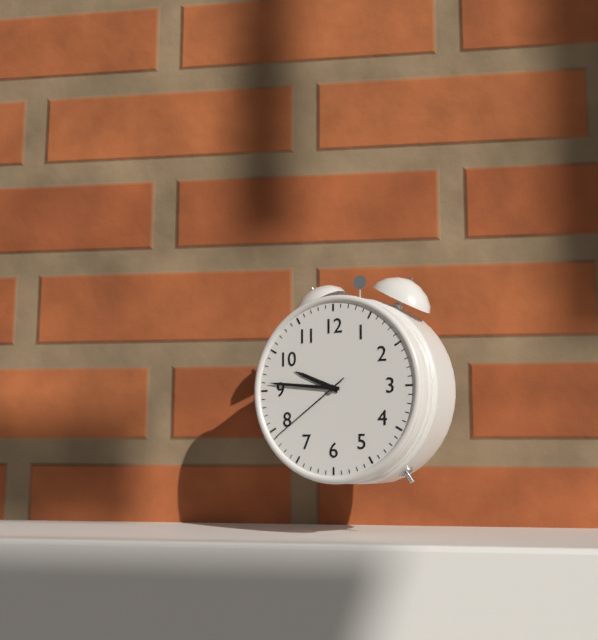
9:46:39
